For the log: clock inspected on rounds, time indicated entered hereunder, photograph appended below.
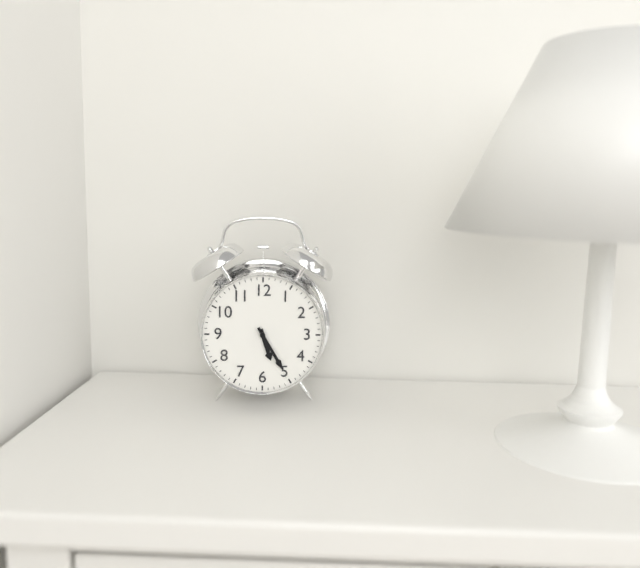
5:25
